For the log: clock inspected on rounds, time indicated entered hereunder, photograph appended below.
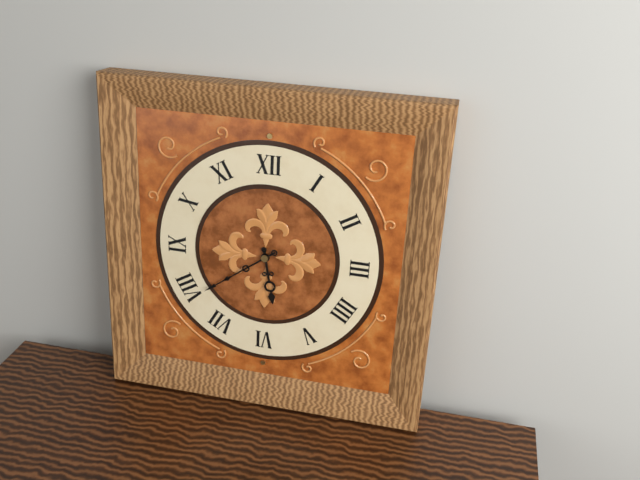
5:39
